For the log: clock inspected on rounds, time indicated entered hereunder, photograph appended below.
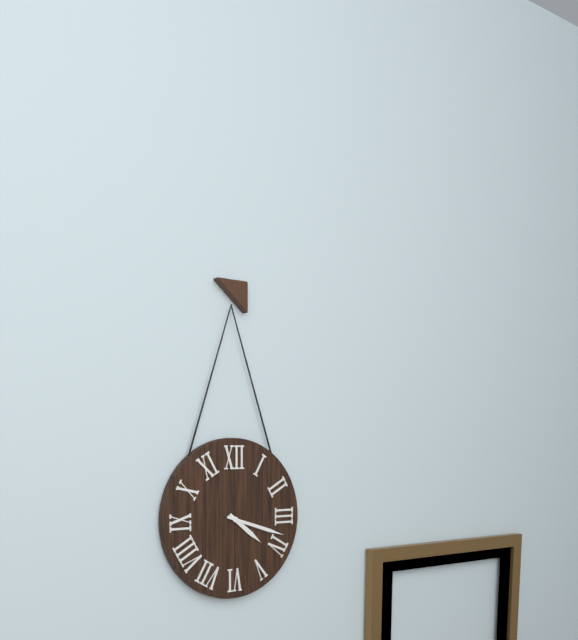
4:18
